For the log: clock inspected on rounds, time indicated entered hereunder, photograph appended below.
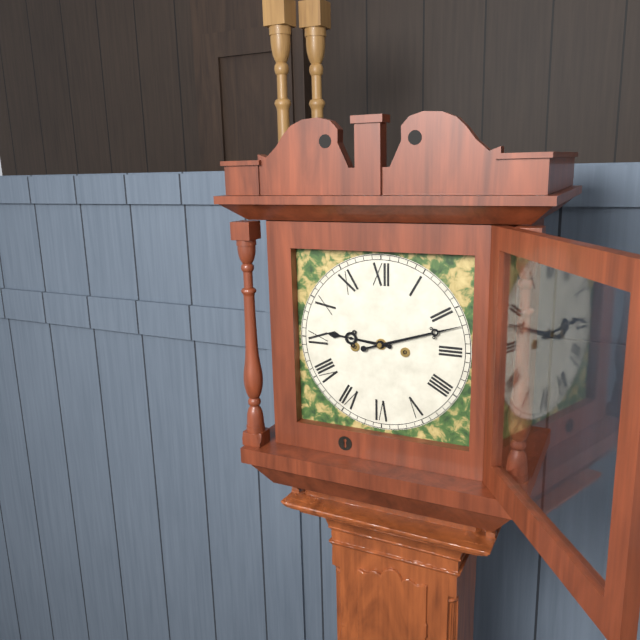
9:12
